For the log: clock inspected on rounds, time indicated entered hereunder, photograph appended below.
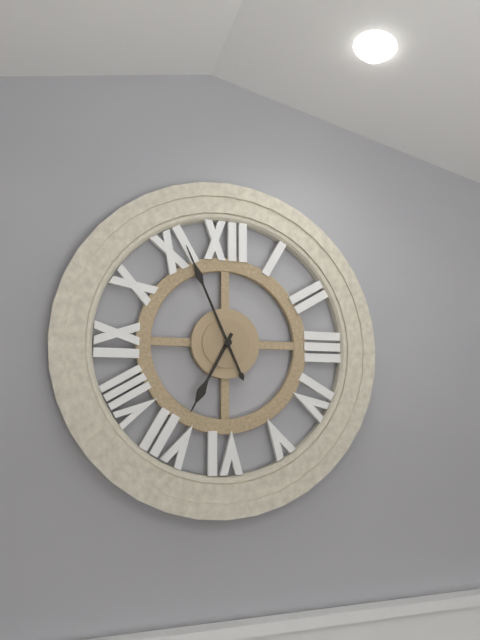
6:56
